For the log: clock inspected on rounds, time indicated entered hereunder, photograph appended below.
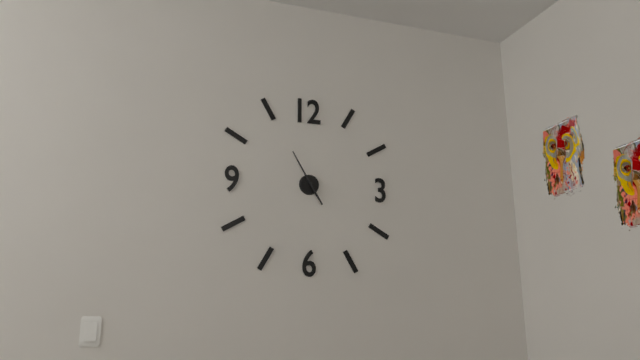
4:55
